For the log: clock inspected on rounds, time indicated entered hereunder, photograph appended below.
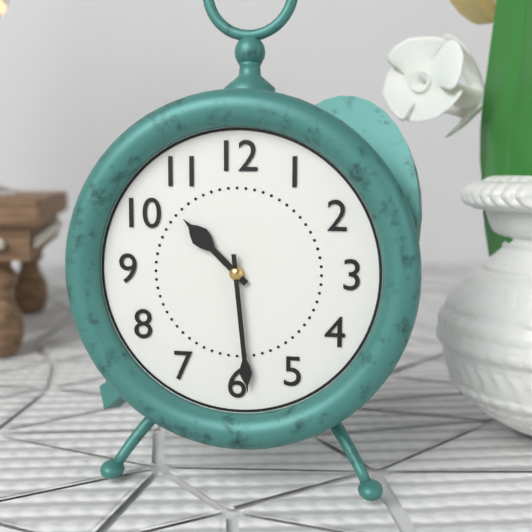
10:29
